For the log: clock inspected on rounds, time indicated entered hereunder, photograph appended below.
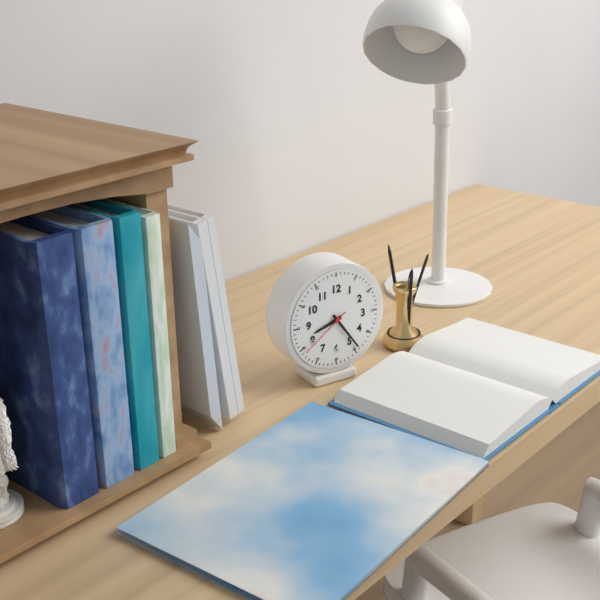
8:24:39
